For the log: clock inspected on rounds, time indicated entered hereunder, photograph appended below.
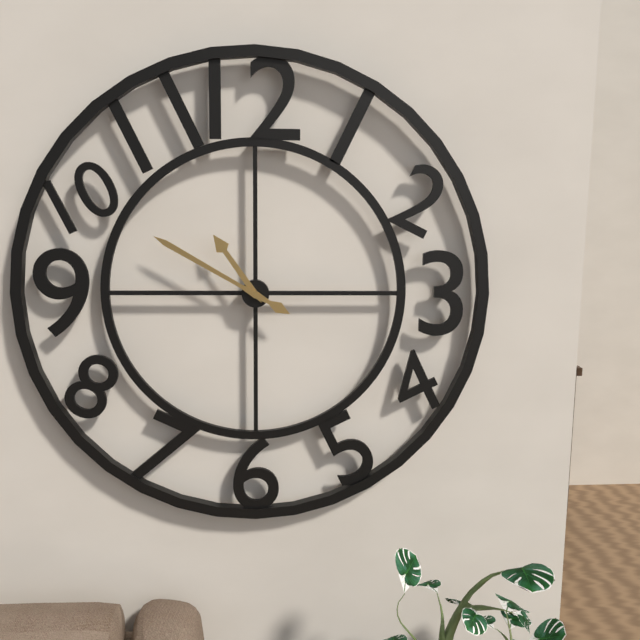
10:50
